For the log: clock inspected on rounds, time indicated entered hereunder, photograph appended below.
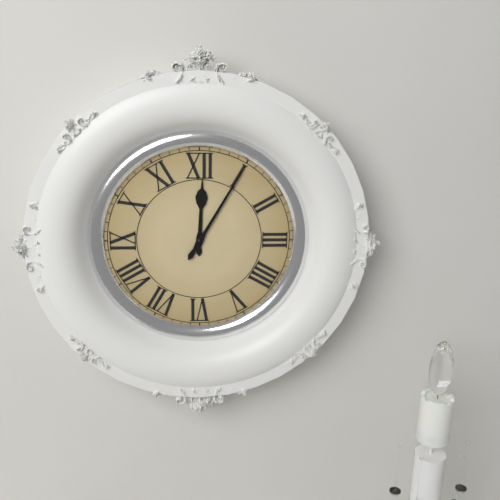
12:05
